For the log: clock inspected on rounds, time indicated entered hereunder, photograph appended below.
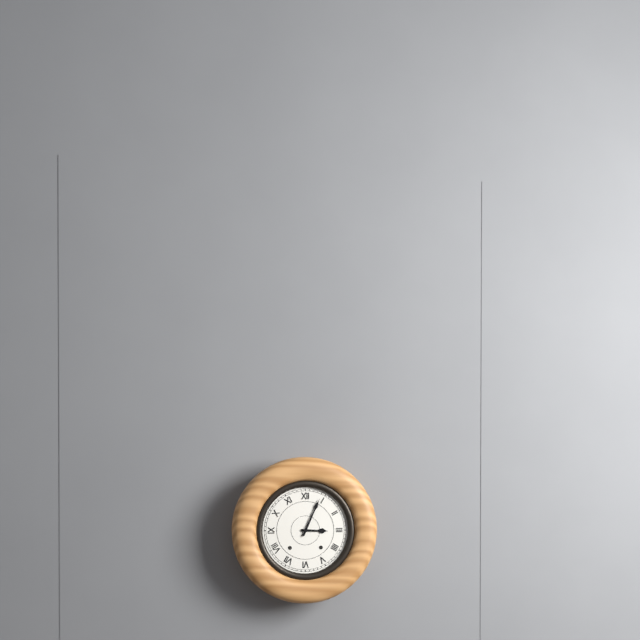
3:04
